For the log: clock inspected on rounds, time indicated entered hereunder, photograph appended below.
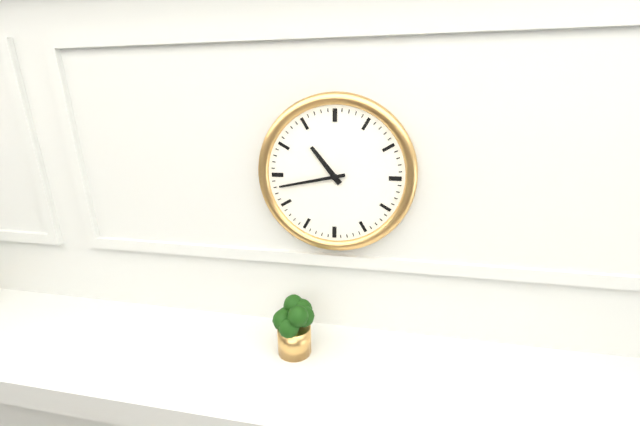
10:43
